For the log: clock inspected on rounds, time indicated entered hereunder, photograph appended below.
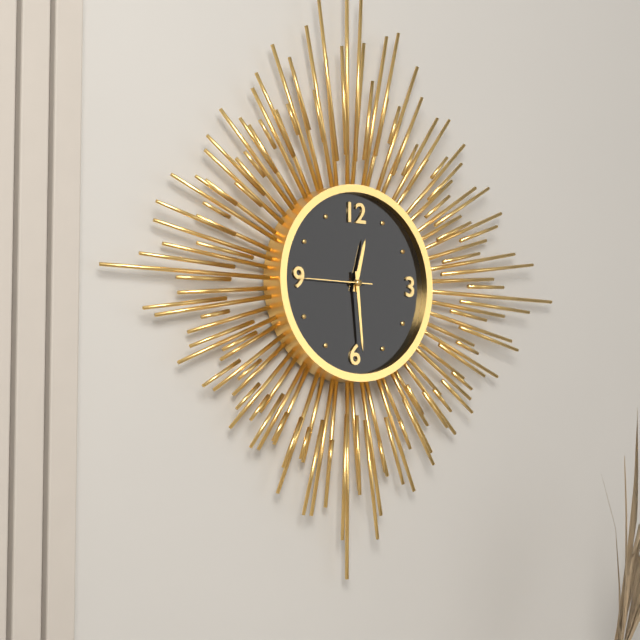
12:29:45
